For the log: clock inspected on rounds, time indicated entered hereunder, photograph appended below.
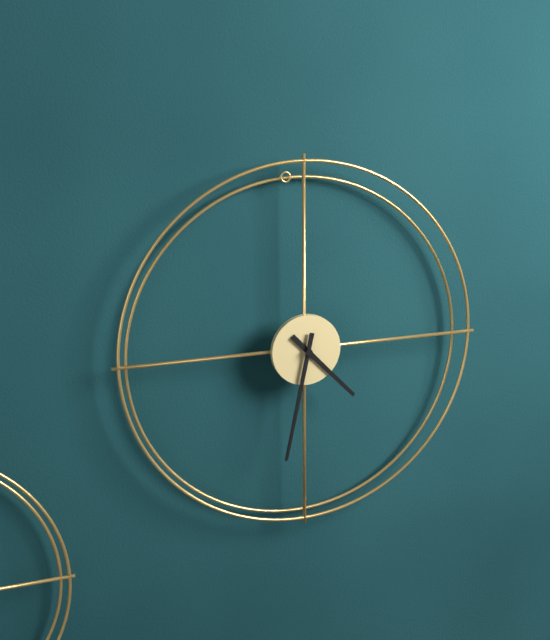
4:32
